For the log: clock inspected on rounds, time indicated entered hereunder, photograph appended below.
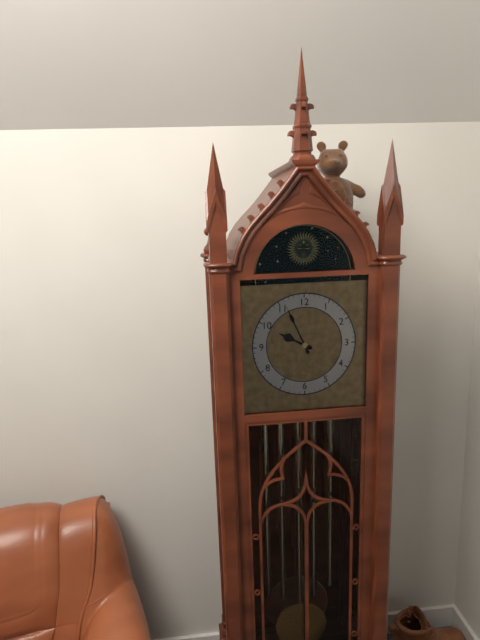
9:56
